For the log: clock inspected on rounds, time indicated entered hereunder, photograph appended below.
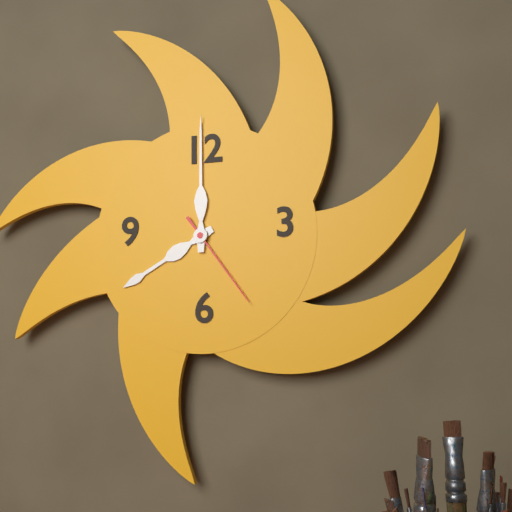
8:00:24
